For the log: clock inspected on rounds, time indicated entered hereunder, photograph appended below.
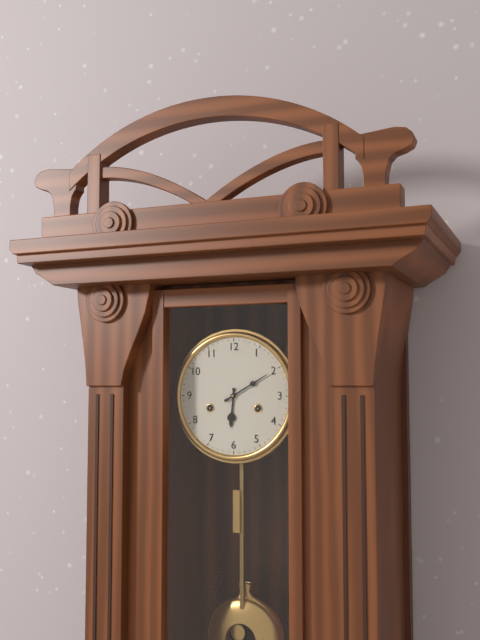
6:10
